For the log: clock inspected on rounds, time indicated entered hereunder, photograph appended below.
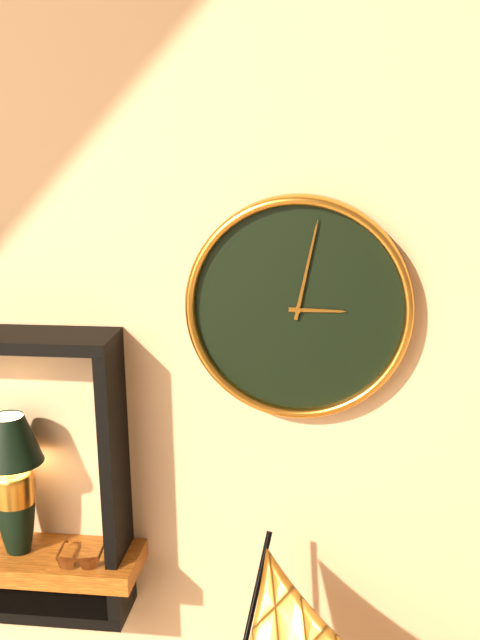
3:02
